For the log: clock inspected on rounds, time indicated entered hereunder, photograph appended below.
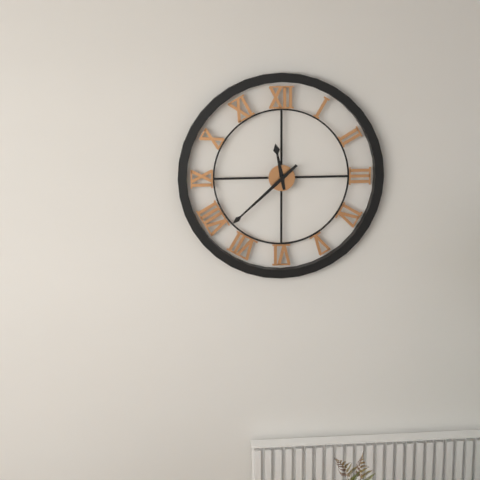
11:38
